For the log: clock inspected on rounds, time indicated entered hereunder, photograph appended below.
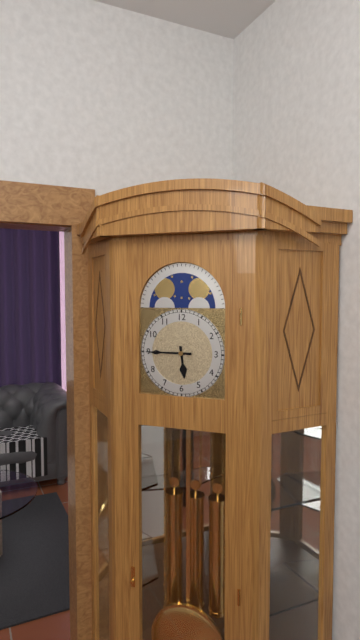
5:45
